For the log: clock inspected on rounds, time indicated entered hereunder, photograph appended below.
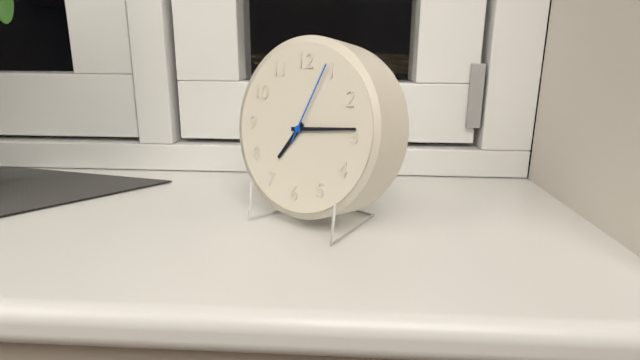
7:14:04
